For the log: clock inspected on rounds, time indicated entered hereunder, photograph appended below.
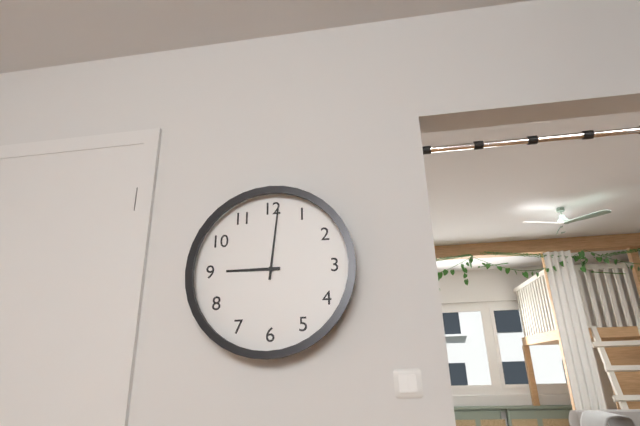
9:01
